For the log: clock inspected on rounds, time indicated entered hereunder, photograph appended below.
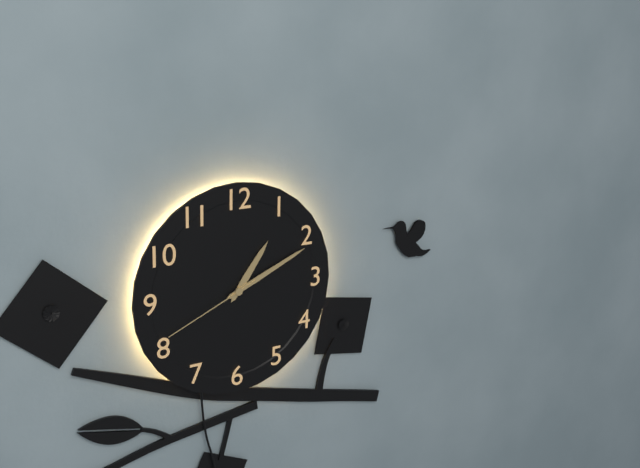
1:11:41
